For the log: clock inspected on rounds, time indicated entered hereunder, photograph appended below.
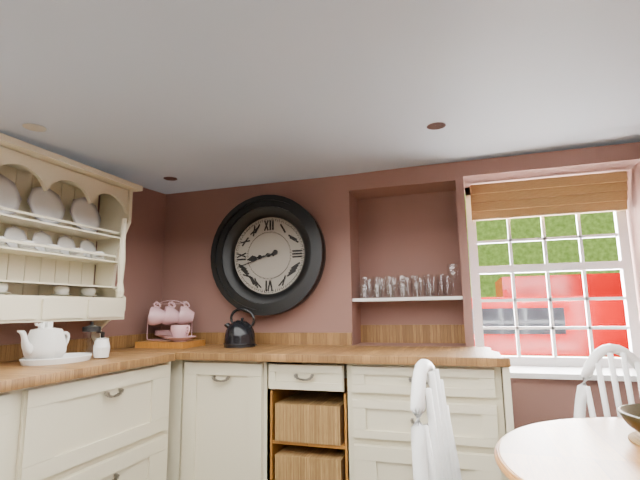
8:42
